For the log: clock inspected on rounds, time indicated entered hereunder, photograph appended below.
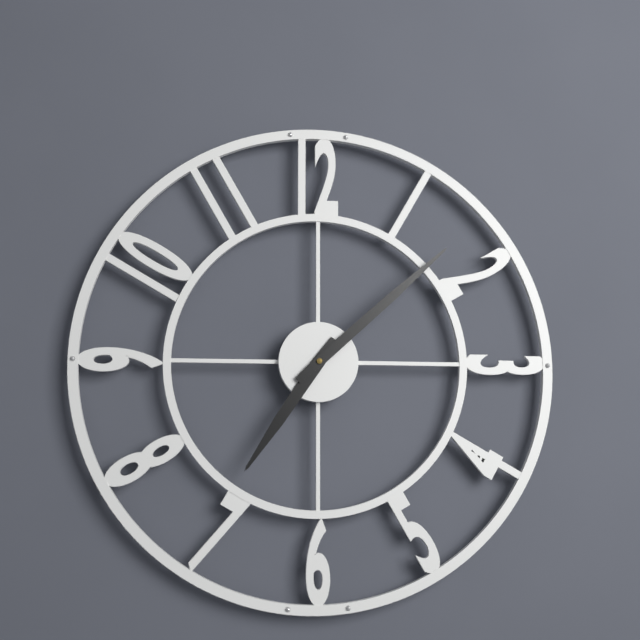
7:08
